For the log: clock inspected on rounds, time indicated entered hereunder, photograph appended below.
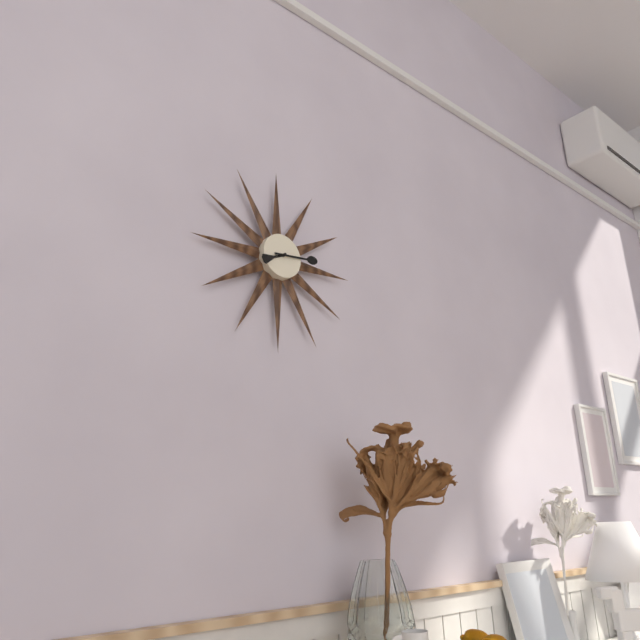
8:14
